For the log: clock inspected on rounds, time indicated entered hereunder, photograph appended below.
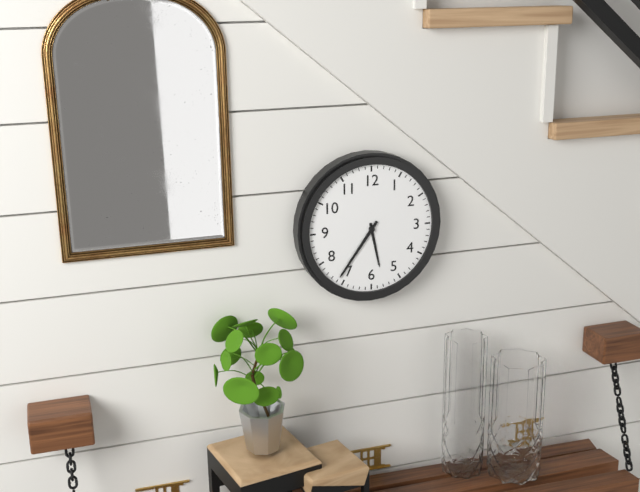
5:36
